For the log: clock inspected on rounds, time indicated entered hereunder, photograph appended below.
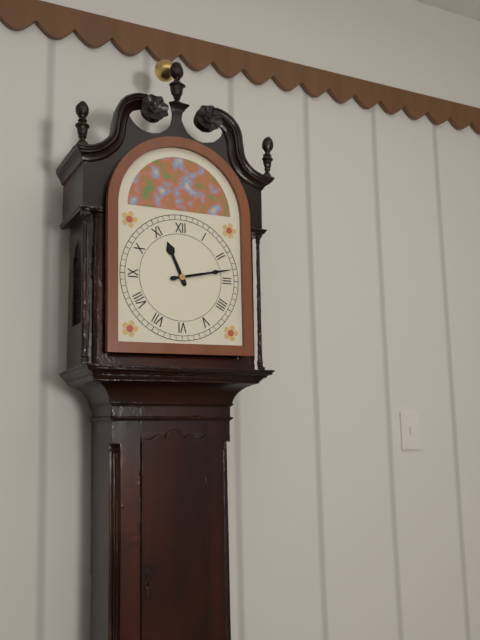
11:13
